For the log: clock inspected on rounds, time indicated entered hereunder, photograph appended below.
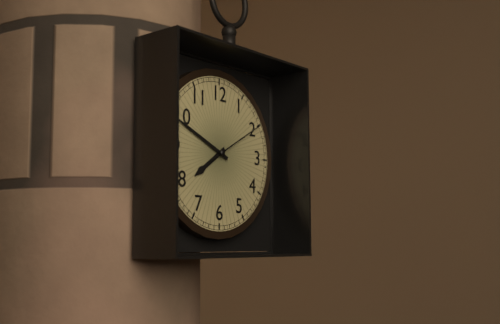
7:49:10
